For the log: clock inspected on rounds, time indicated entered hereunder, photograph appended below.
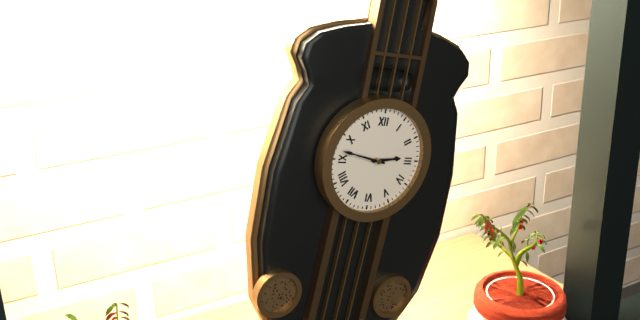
2:47
